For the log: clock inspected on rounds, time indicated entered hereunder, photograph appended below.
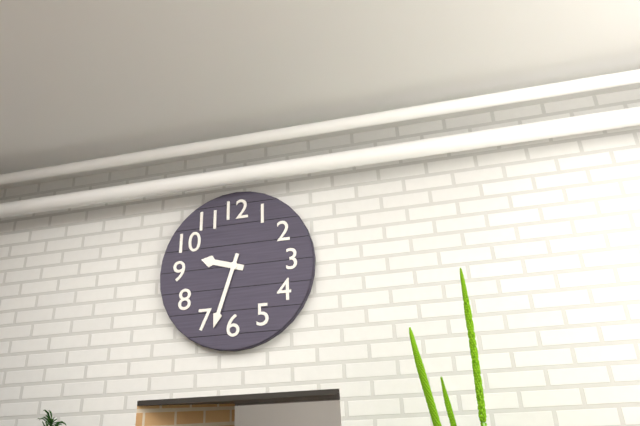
9:33
